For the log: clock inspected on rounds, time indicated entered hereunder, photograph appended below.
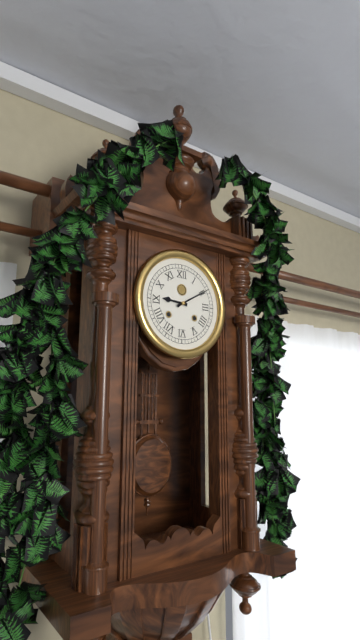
9:10
